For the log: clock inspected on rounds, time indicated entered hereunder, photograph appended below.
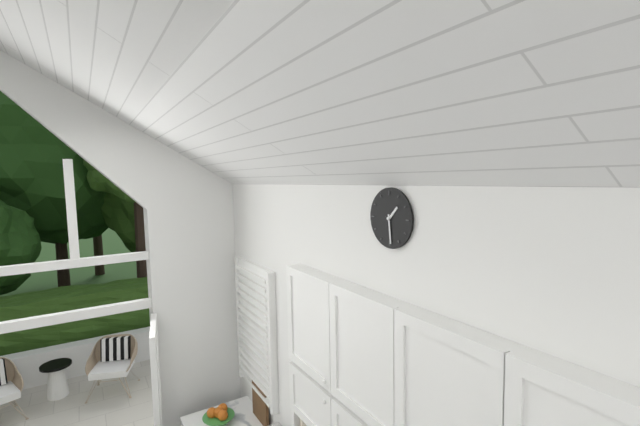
1:29
